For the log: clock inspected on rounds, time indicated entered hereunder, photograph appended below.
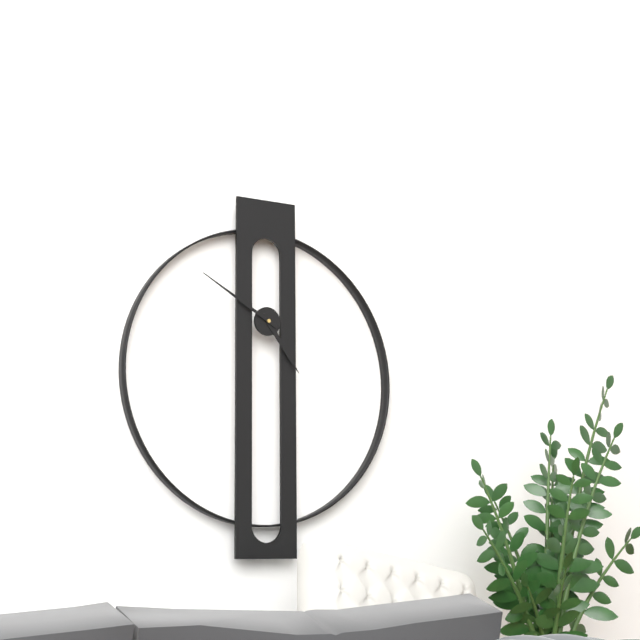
4:50
